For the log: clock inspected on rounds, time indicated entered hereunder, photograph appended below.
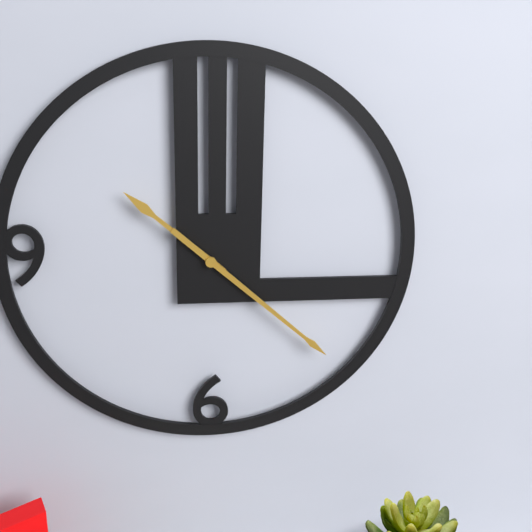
10:22
